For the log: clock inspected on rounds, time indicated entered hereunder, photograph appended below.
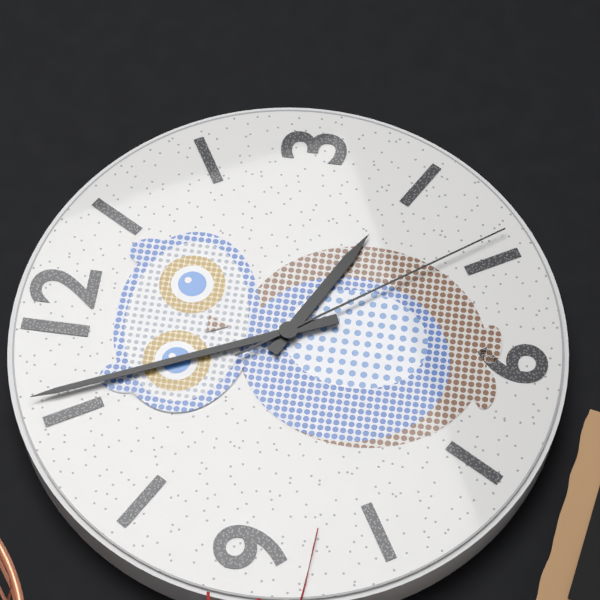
3:56:24
